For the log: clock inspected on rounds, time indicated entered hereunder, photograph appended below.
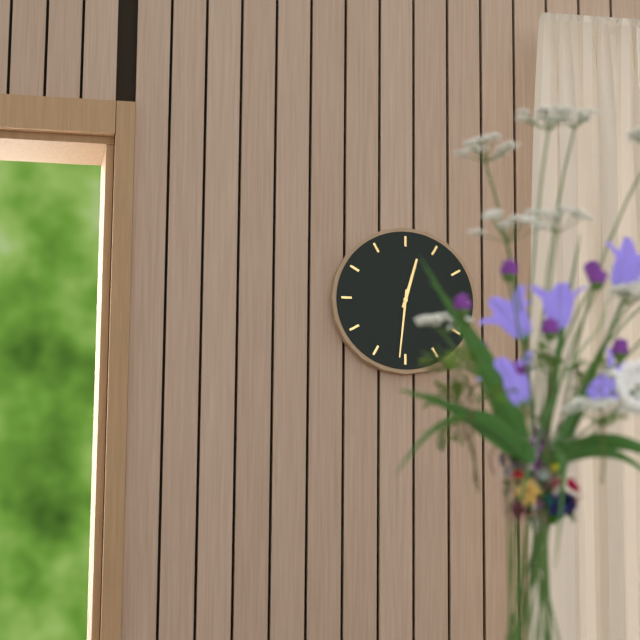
12:31
